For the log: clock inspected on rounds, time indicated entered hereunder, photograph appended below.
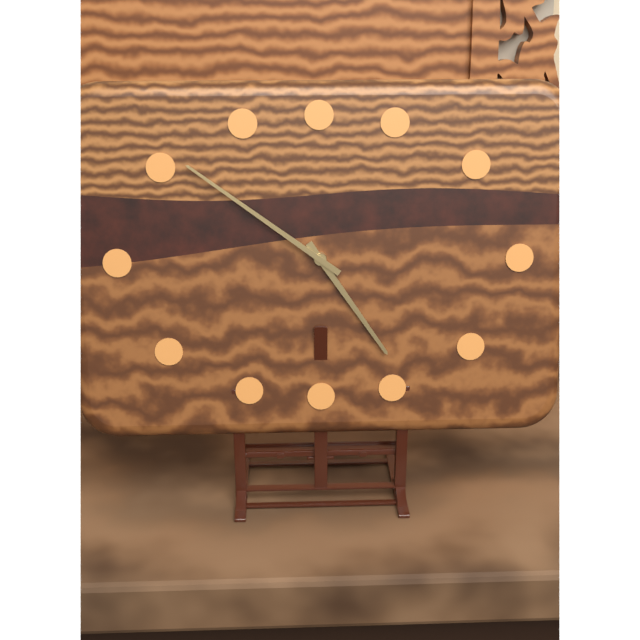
4:51
